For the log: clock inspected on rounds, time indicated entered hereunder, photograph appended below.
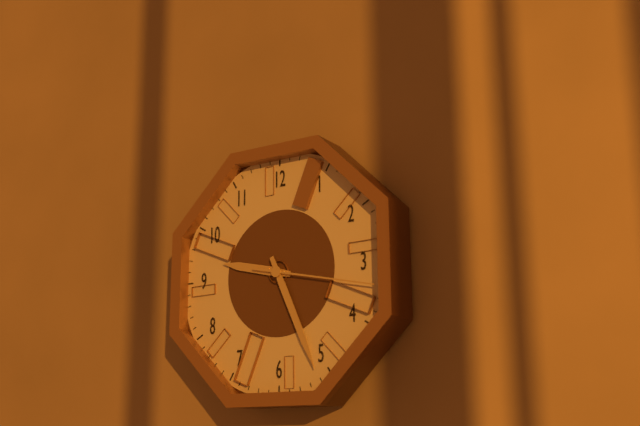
9:26:17
